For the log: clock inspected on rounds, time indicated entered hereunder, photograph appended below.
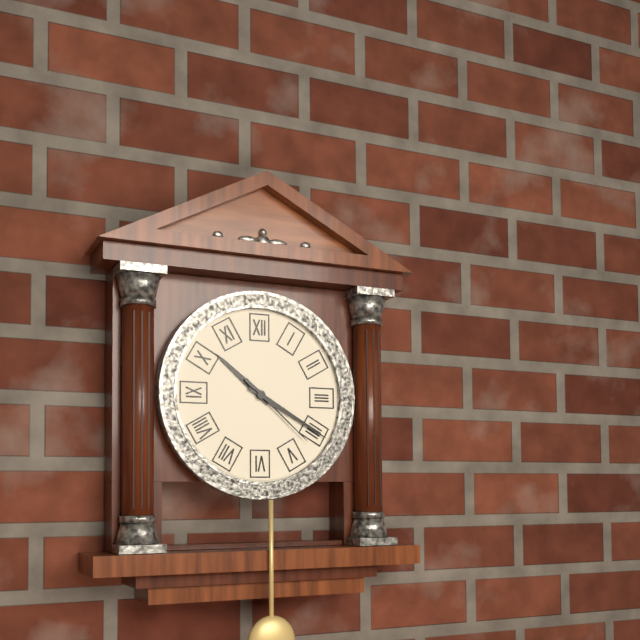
10:20:22
